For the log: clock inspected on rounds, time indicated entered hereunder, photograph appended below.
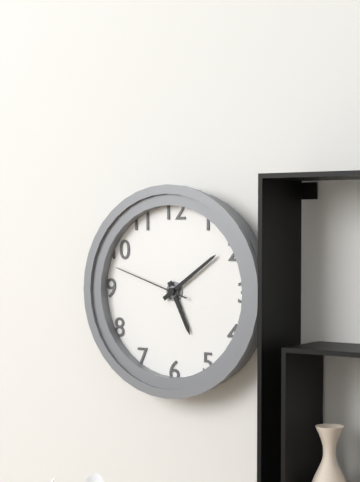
5:09:48
